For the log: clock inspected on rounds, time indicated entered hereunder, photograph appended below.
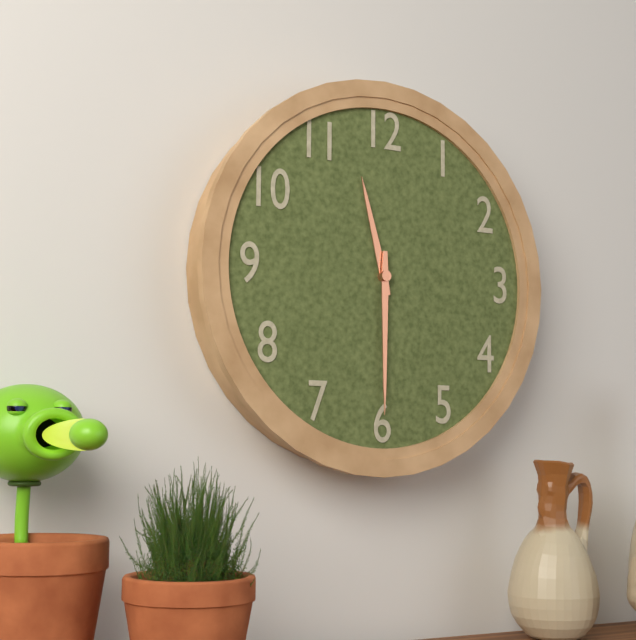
11:30
